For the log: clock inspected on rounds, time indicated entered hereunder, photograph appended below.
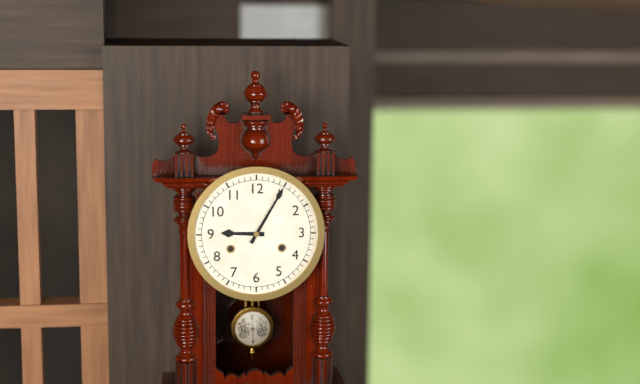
9:05
